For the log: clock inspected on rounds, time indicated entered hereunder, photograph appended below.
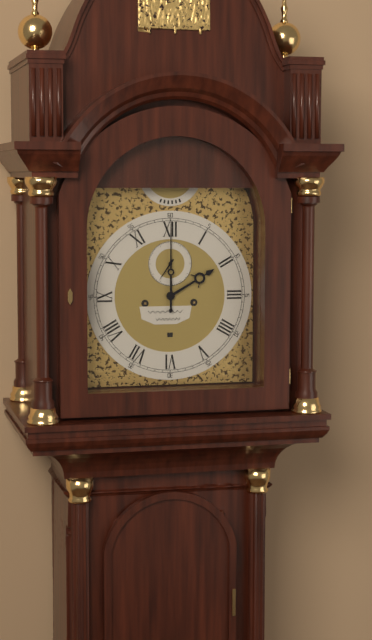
2:00
